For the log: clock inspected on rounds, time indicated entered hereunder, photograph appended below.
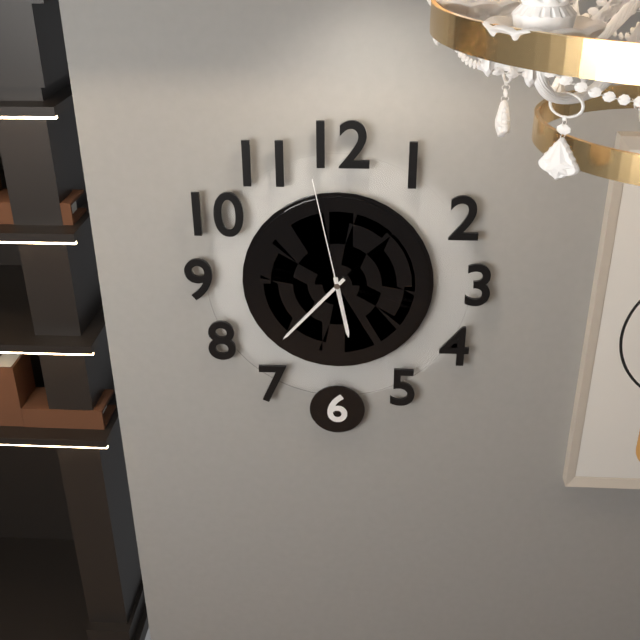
5:37:58
